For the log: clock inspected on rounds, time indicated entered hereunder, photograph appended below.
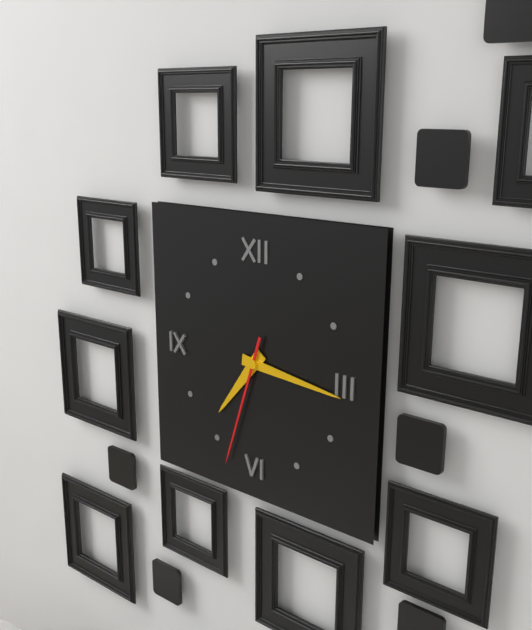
7:16:33
